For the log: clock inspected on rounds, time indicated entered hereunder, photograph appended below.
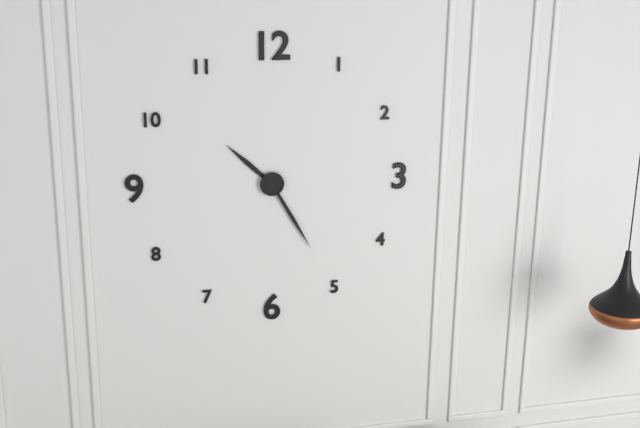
10:25
